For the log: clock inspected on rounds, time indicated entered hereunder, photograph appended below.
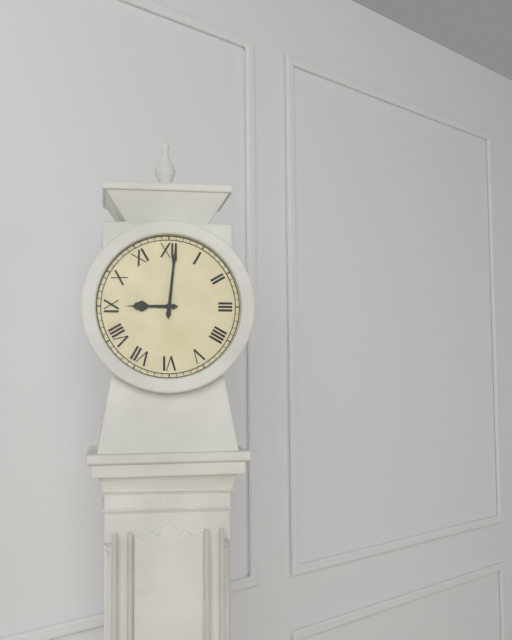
9:01
